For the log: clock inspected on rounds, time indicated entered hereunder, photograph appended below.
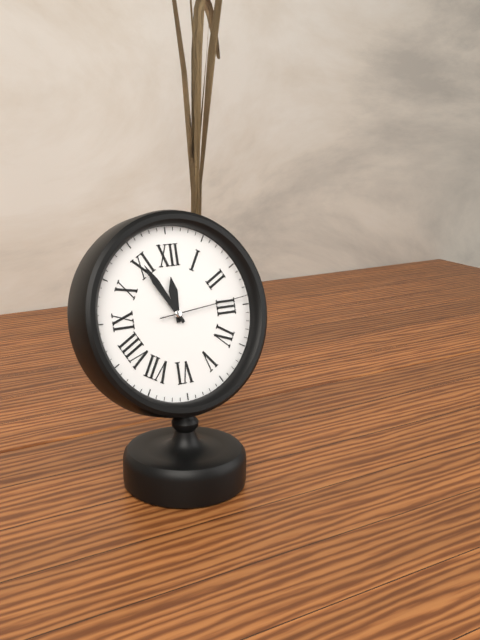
11:55:14
